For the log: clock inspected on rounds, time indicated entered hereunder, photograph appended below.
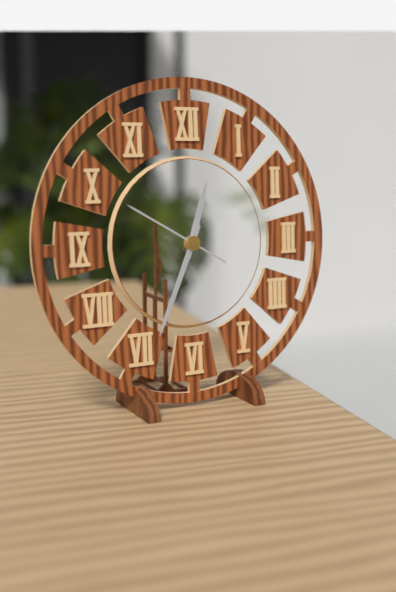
12:34:50
